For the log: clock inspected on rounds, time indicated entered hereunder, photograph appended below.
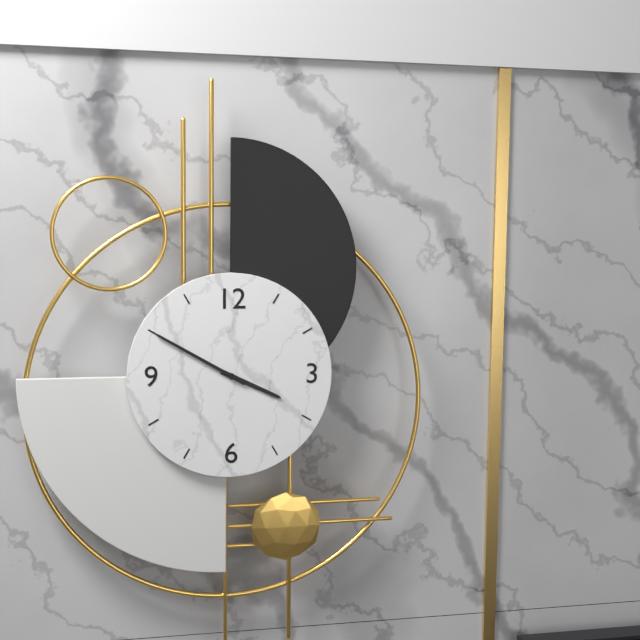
3:50
